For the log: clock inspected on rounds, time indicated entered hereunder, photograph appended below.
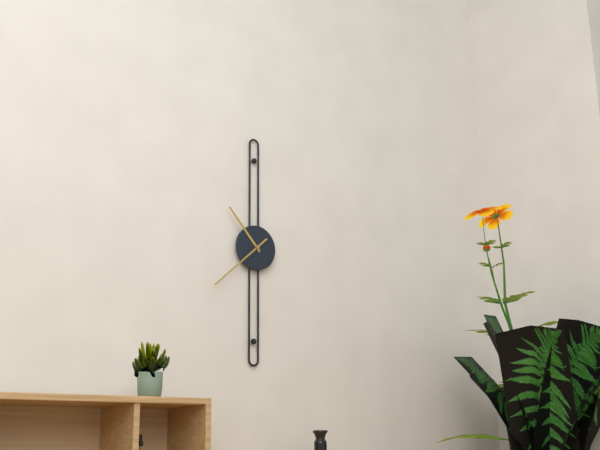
10:38
